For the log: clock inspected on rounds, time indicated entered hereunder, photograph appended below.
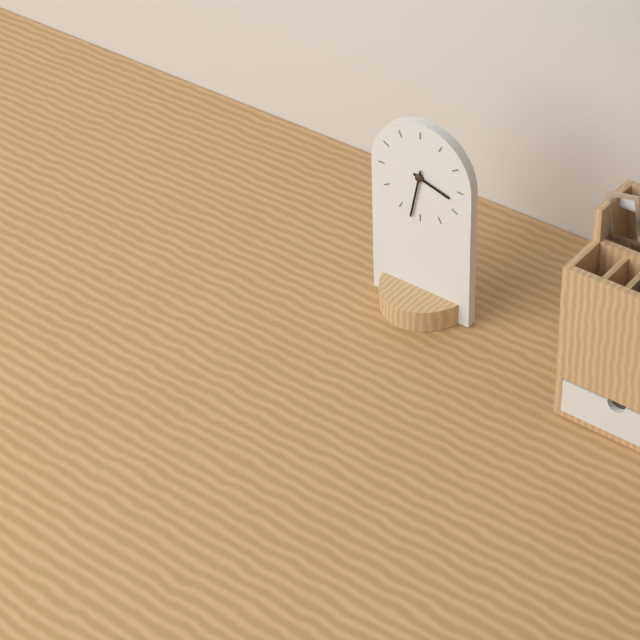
3:32
